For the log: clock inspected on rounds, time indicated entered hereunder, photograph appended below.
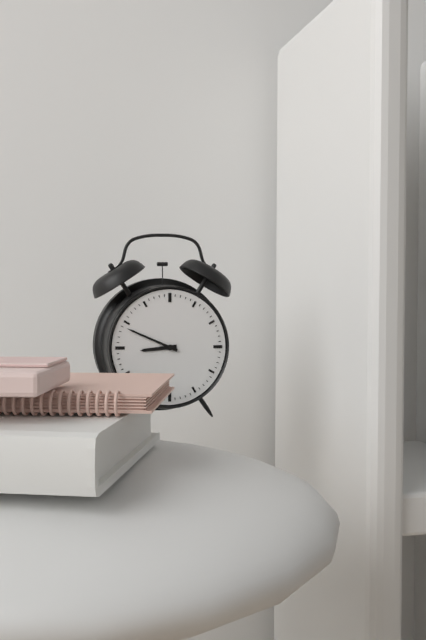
8:49
